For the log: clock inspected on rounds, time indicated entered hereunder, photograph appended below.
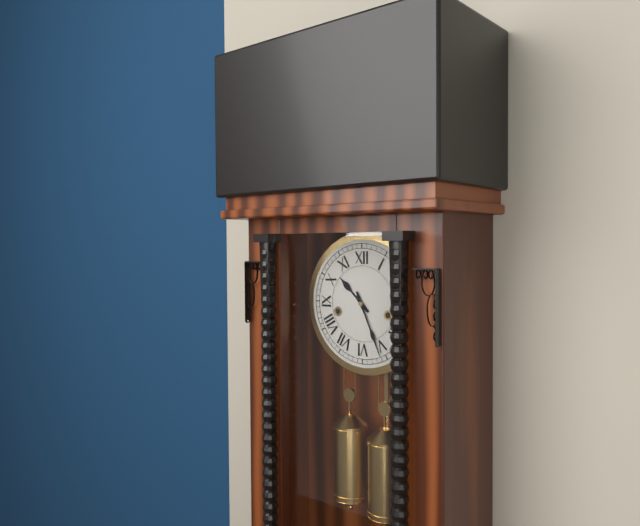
10:26
